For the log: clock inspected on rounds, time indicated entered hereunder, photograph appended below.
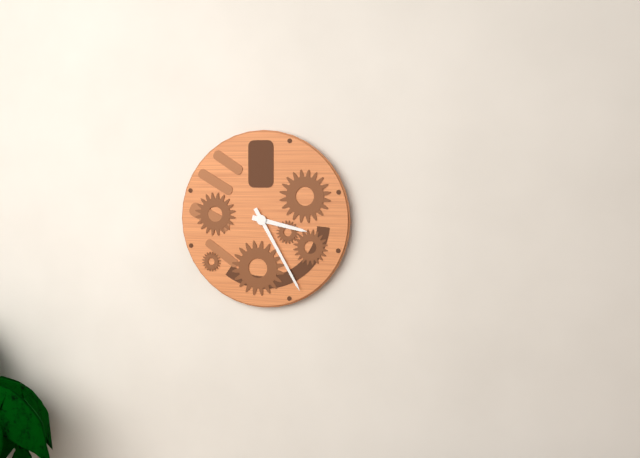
3:25
